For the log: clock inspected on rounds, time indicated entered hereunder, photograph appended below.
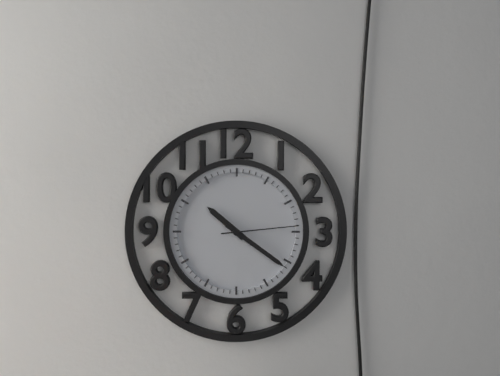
10:21:14
